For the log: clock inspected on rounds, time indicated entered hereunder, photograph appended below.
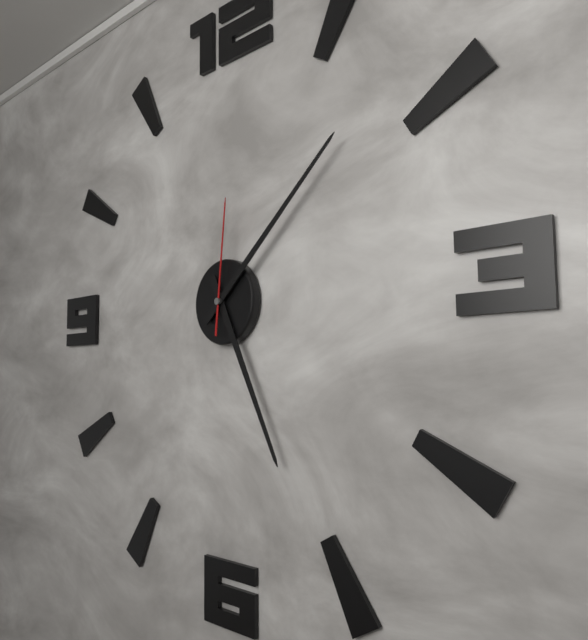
5:08:01
